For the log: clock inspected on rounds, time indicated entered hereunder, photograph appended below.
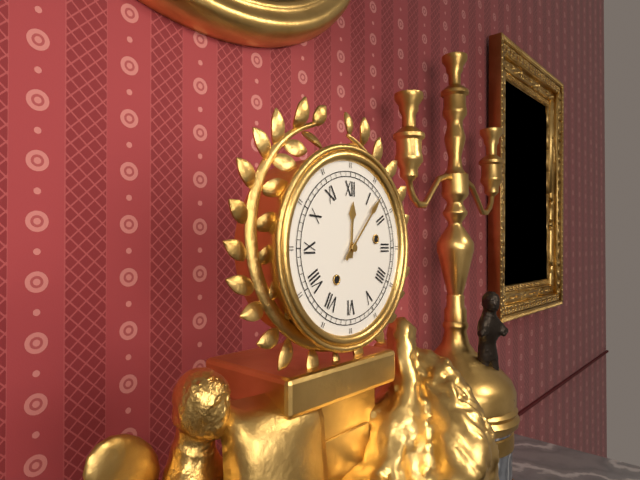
12:07
